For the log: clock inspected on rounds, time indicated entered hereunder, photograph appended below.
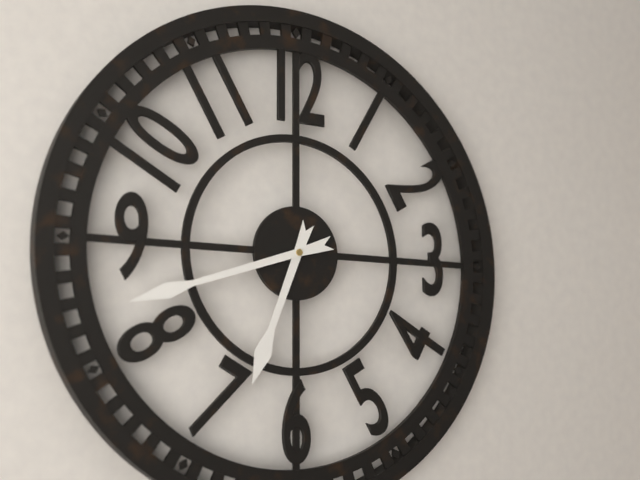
6:42
